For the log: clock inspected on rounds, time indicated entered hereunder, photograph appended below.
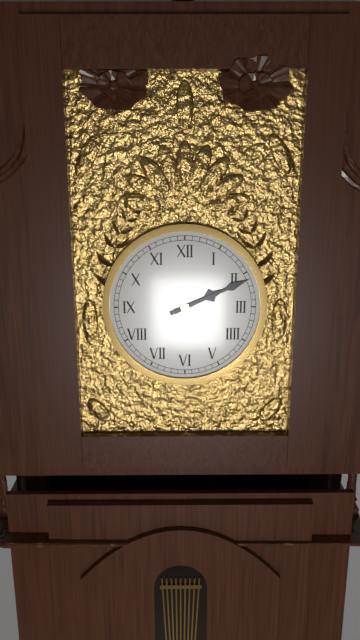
2:11
